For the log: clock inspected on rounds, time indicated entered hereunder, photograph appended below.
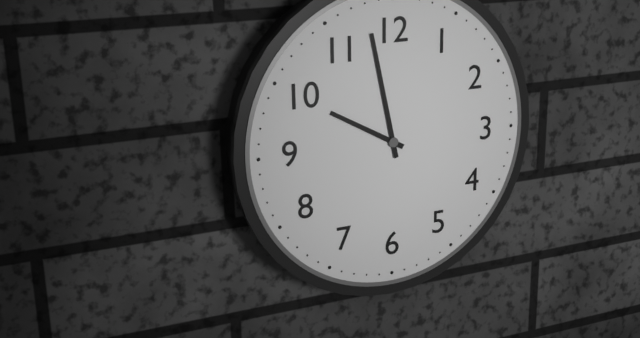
9:58
